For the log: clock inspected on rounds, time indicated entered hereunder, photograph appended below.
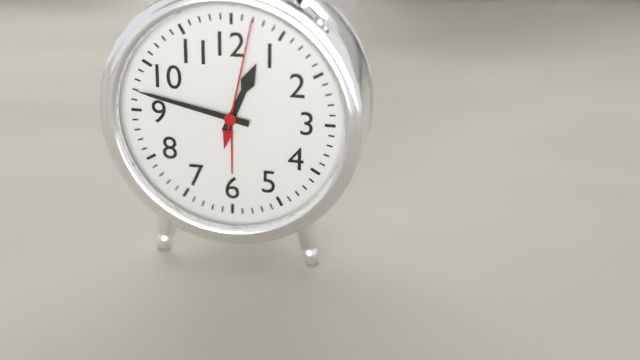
12:47:02
